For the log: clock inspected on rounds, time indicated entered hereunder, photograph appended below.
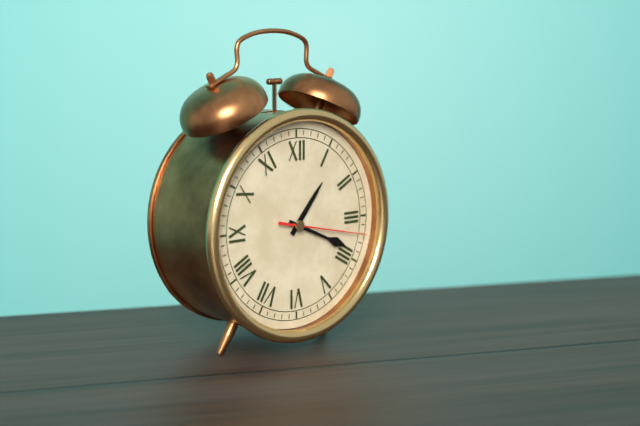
1:19:17
